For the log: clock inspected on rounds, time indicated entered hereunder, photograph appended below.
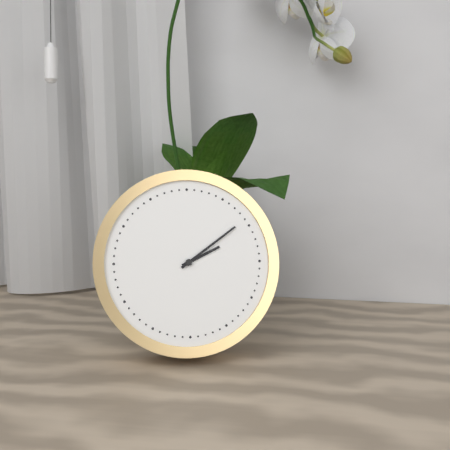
2:09
